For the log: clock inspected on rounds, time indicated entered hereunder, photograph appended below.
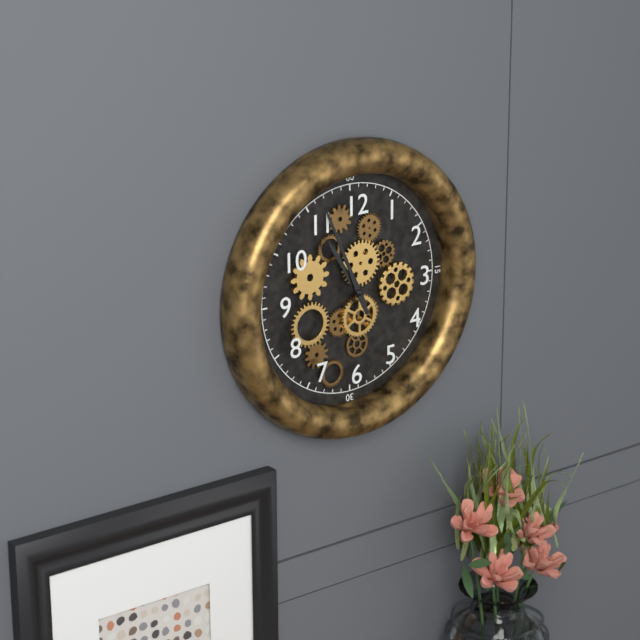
10:56
